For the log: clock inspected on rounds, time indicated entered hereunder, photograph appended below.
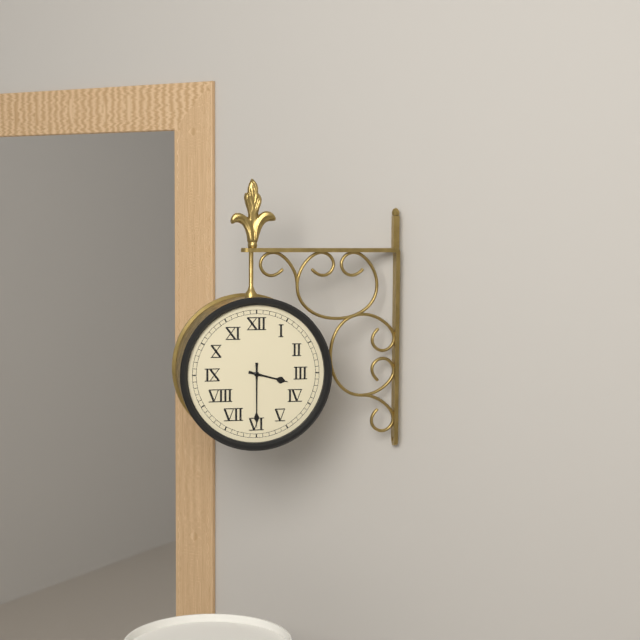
3:30
